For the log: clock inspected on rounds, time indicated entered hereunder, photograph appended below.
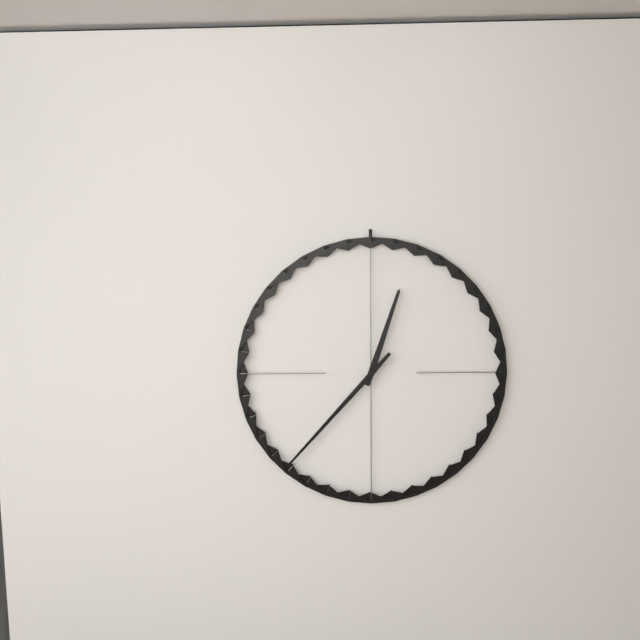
12:37
